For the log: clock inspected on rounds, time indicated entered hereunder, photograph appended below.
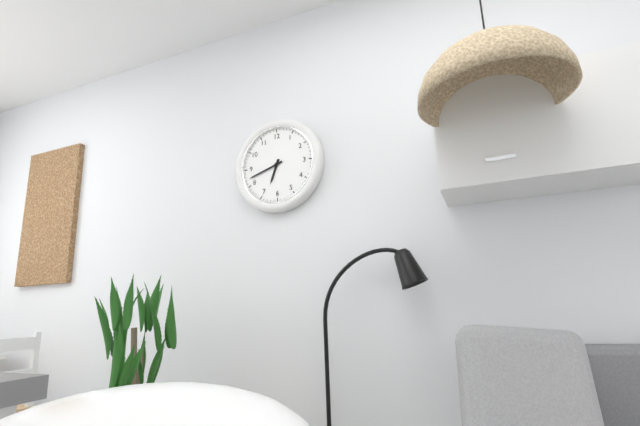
6:42
